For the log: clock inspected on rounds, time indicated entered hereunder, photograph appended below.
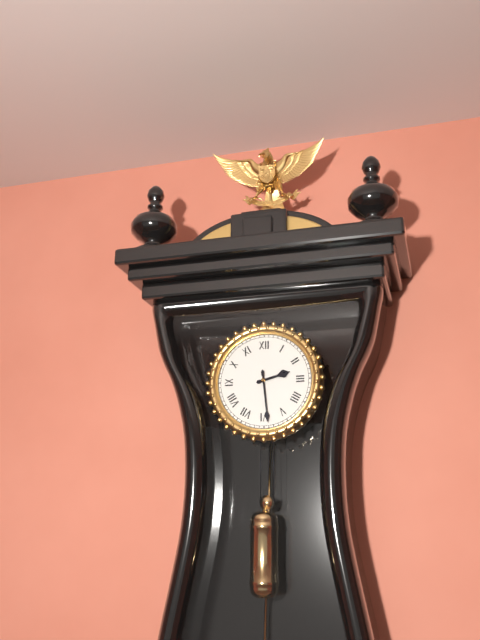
2:29
